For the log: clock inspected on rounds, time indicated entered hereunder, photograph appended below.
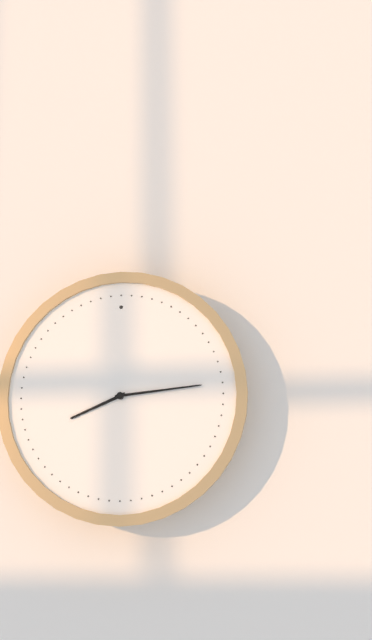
8:14
